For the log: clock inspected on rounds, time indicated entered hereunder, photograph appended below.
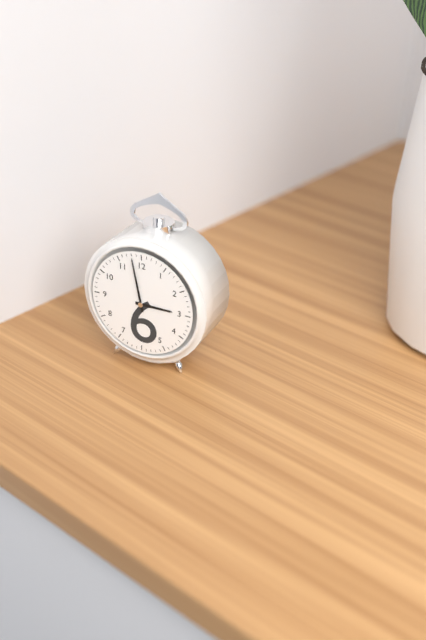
2:58
